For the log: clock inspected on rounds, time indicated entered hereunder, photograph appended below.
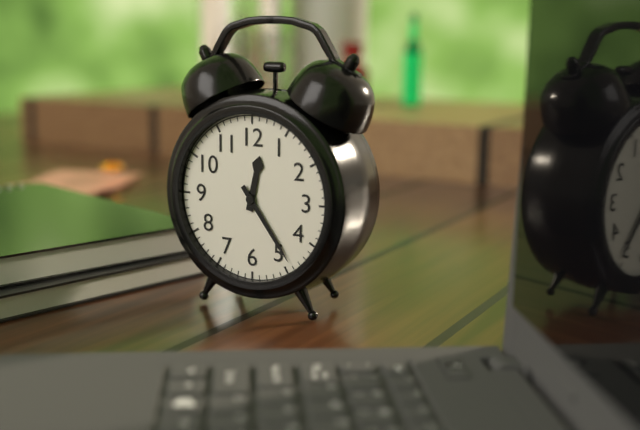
12:24
